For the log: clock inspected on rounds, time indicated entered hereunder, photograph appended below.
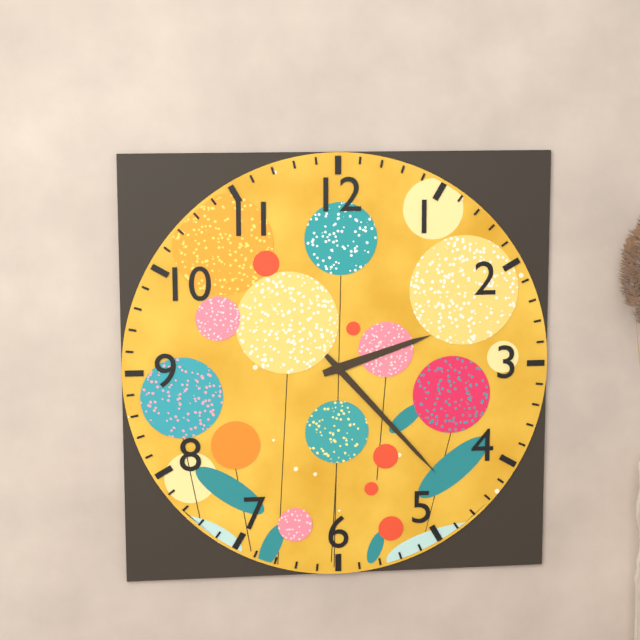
2:23
